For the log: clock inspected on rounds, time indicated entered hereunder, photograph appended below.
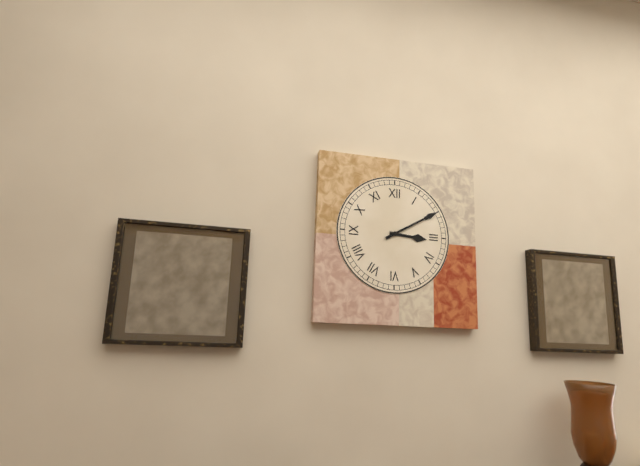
3:10
